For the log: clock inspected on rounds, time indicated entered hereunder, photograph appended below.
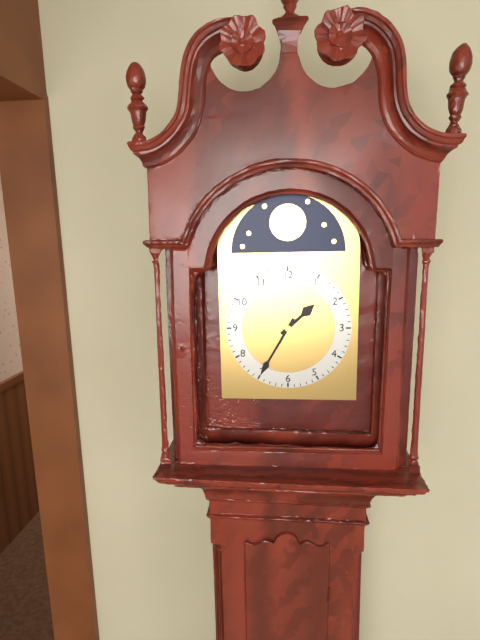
1:35
